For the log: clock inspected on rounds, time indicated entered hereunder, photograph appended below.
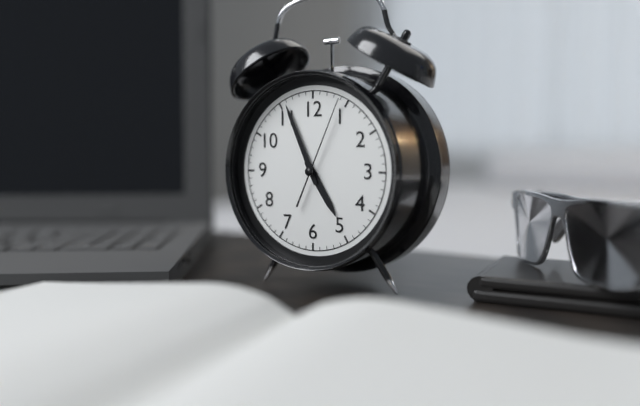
4:56:04
